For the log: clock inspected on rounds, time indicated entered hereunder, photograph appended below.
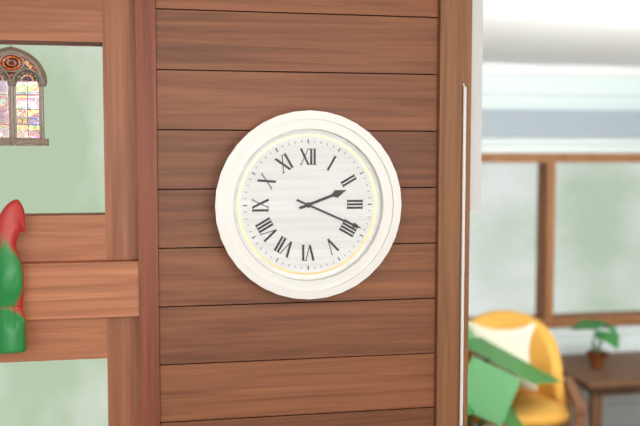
2:19
